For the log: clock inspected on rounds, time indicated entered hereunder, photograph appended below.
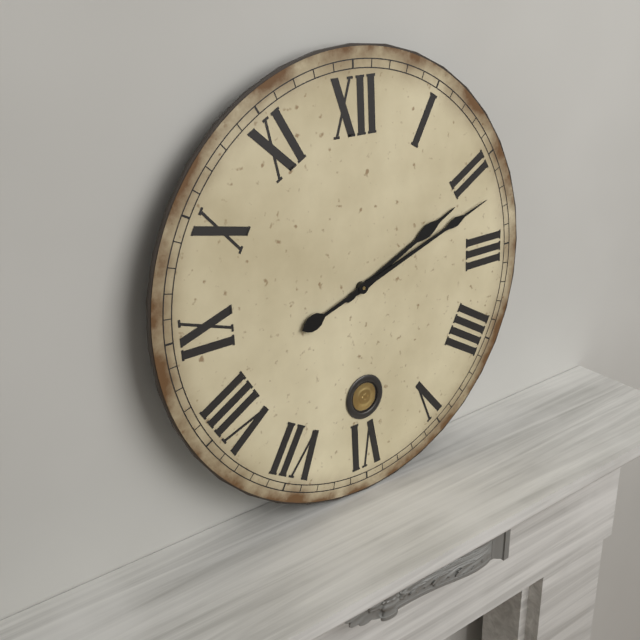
2:12
